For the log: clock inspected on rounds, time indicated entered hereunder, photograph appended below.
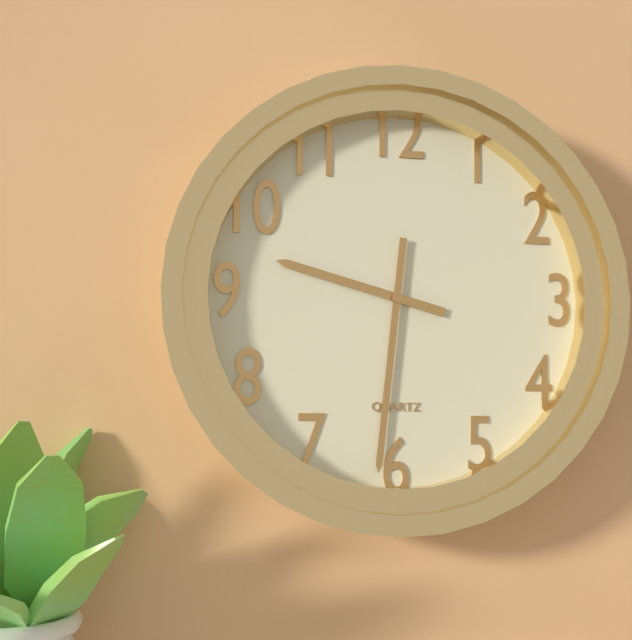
9:31
